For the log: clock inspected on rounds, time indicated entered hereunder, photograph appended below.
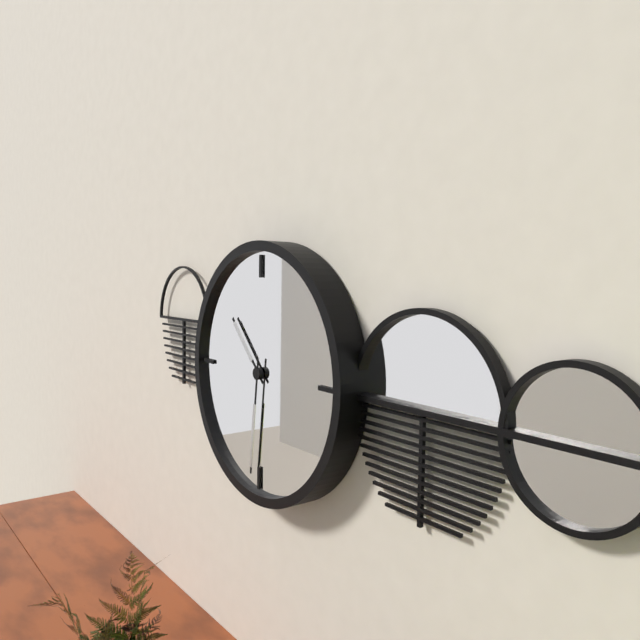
10:31
